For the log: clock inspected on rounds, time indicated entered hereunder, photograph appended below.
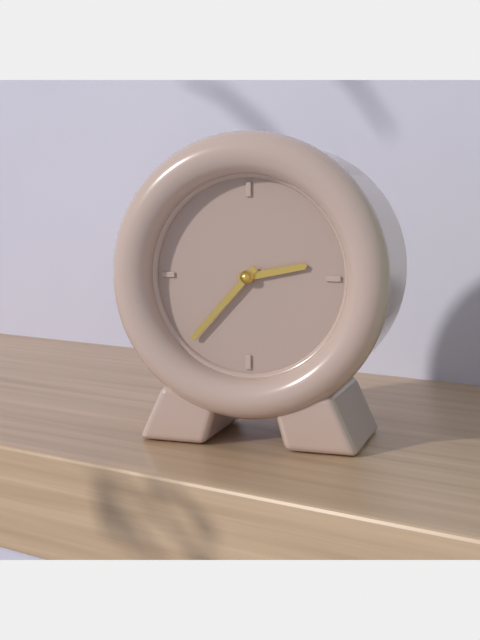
2:37
